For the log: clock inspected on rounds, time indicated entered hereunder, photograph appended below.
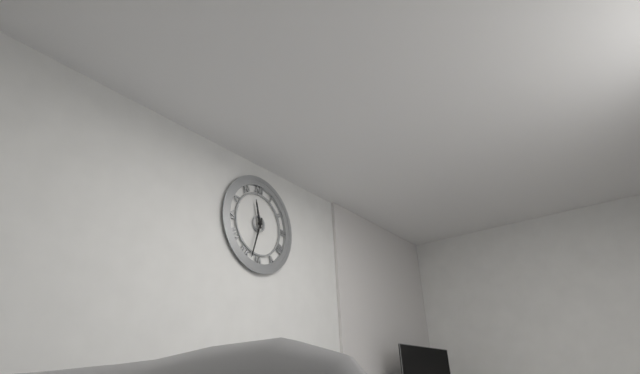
11:33
